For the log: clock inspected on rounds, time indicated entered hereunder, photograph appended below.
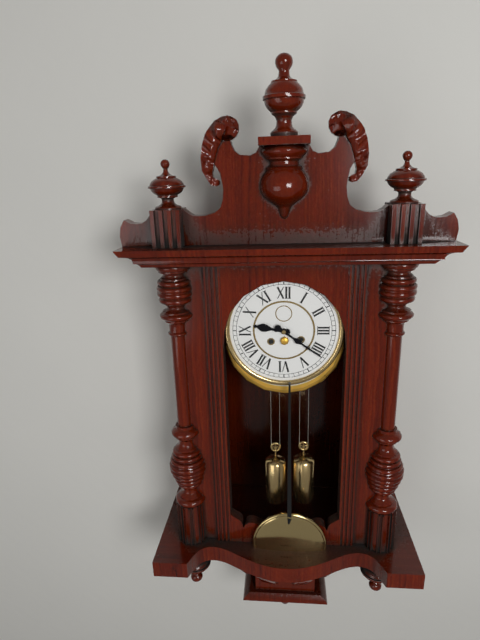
9:21
